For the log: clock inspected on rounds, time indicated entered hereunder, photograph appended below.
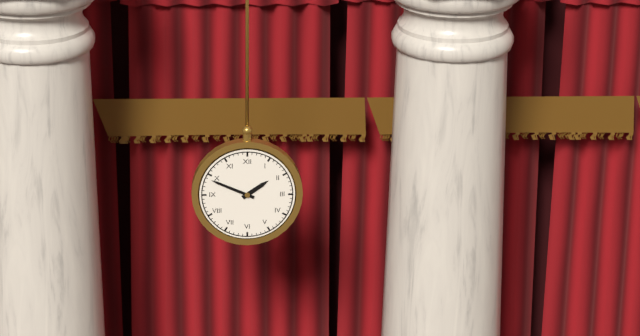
1:49
